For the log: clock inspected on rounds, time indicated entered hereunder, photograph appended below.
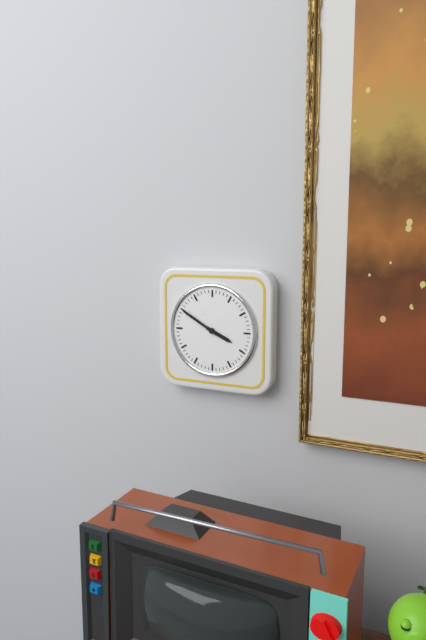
3:50
